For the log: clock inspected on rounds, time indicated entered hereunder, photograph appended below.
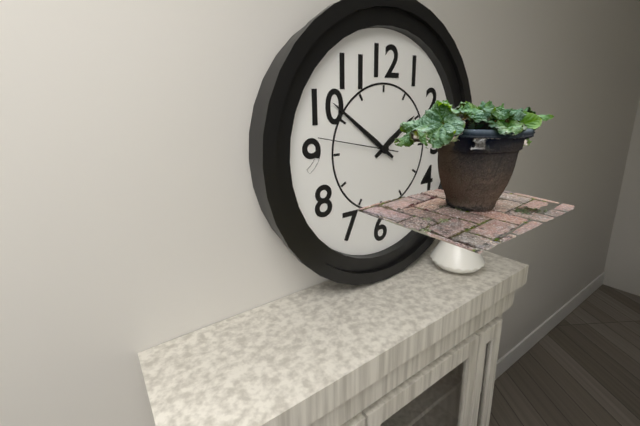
1:51:47
